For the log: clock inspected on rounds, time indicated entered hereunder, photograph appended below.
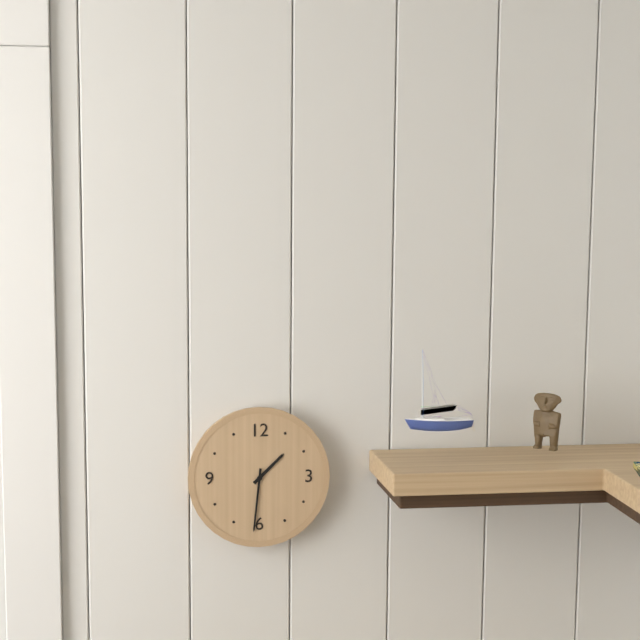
1:31
